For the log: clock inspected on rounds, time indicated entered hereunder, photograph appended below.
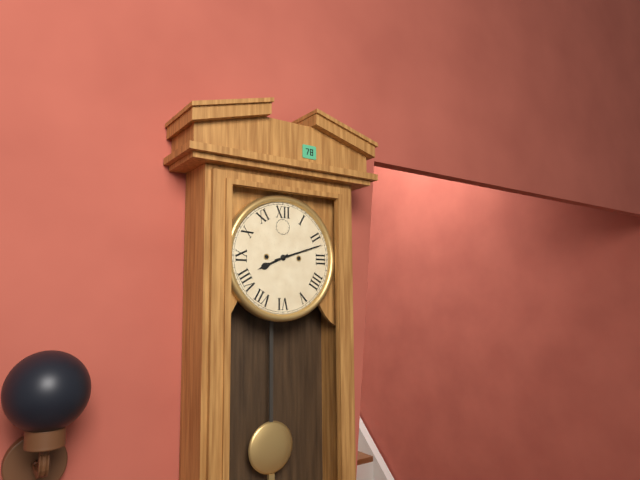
8:12
